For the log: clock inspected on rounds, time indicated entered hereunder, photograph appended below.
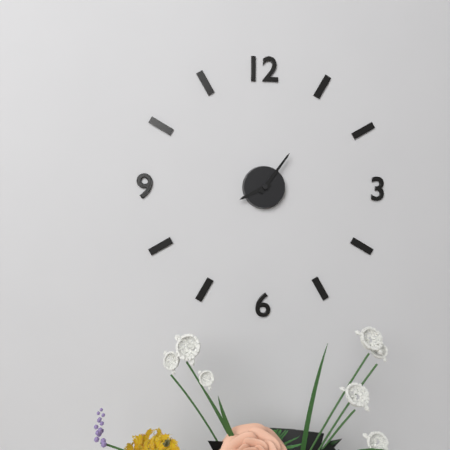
8:06
